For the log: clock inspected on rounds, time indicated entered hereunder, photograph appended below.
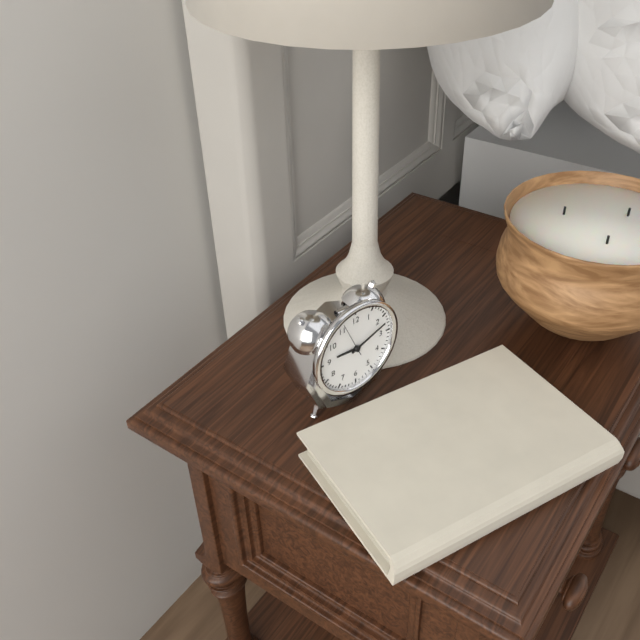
9:12
